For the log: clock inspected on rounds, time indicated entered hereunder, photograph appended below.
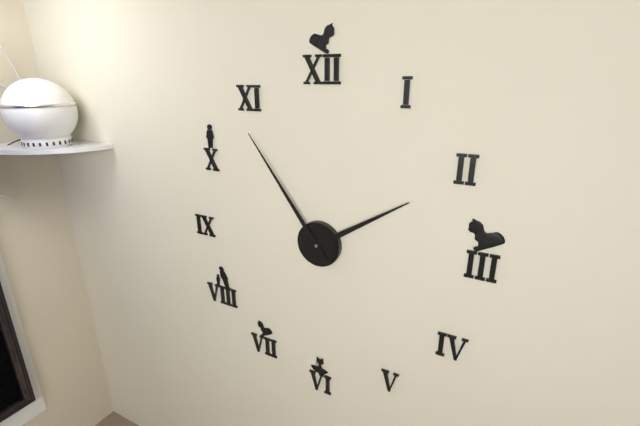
1:54
